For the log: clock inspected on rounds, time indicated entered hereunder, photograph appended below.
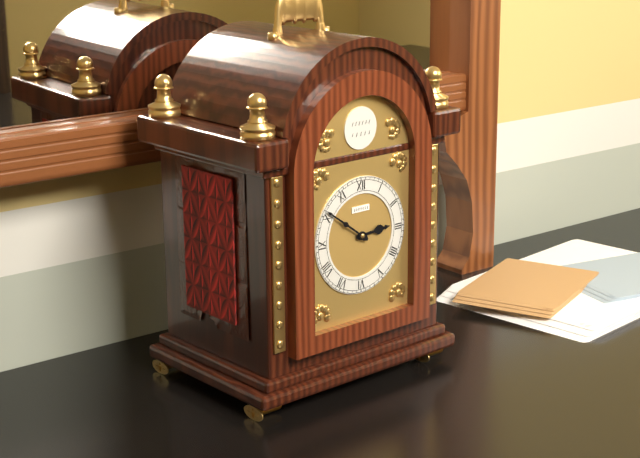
2:51
